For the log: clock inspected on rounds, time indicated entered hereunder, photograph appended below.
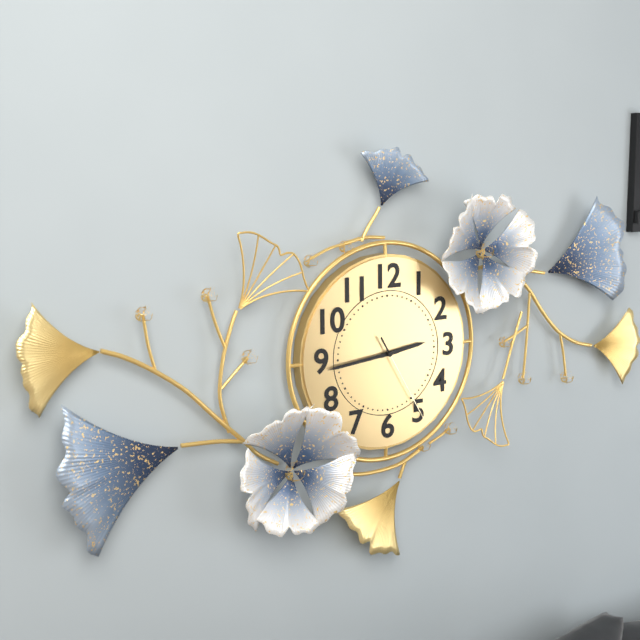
2:44:25
